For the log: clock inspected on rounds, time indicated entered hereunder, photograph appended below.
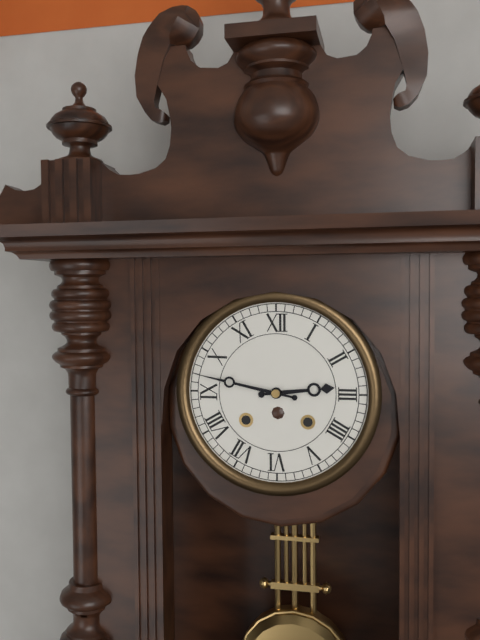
2:47
